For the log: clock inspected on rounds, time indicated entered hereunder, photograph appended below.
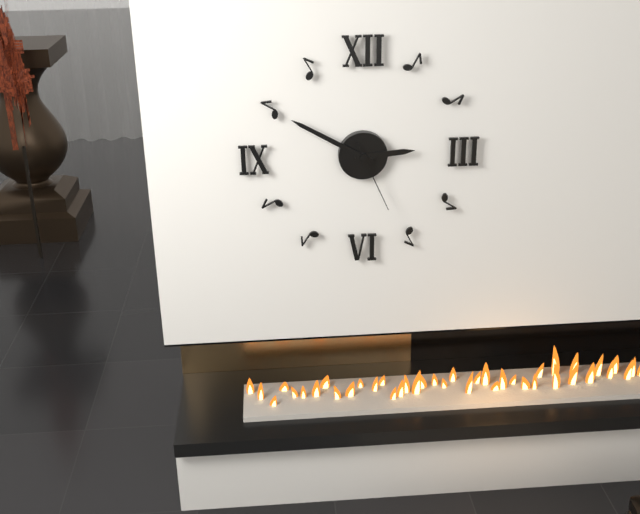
2:50:26
